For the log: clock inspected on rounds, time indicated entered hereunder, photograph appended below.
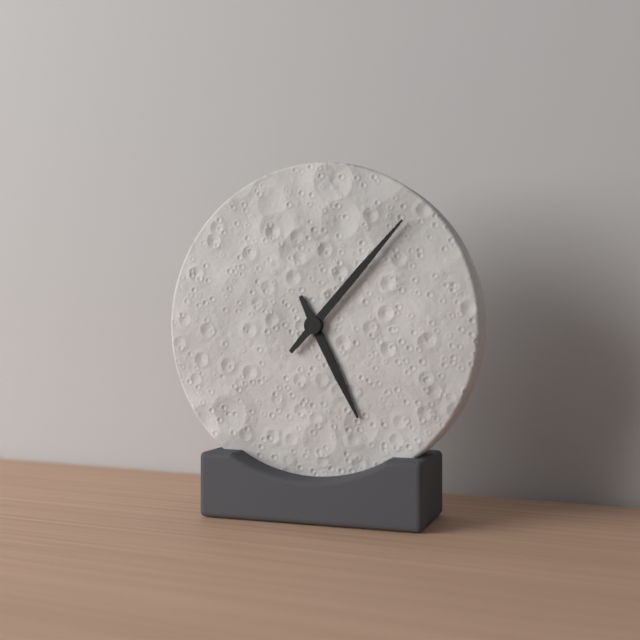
5:07
